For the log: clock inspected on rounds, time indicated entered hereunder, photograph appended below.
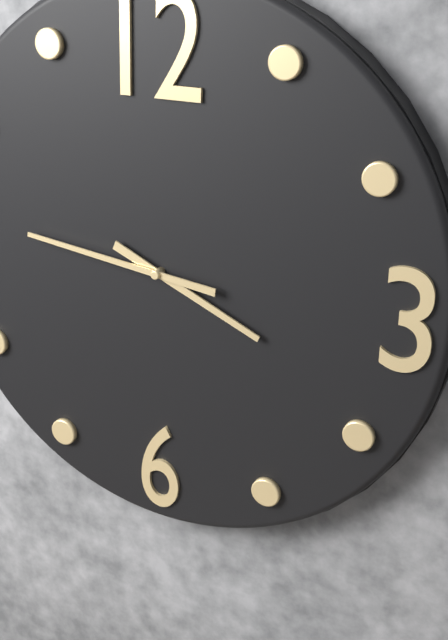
3:46
